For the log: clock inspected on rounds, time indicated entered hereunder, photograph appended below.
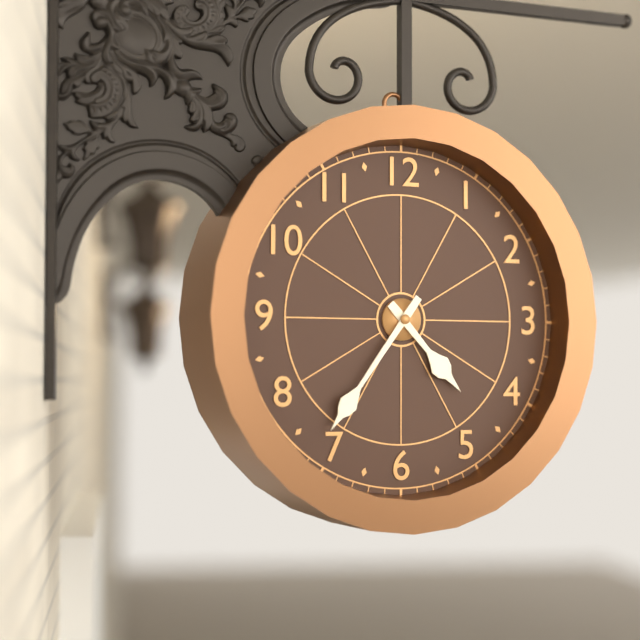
4:36
